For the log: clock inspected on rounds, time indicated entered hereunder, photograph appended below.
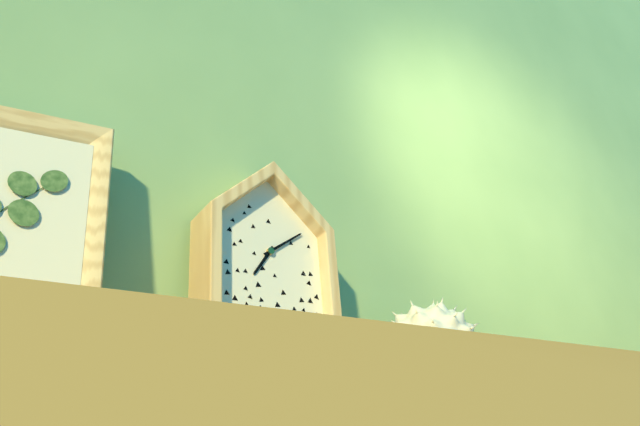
7:09
